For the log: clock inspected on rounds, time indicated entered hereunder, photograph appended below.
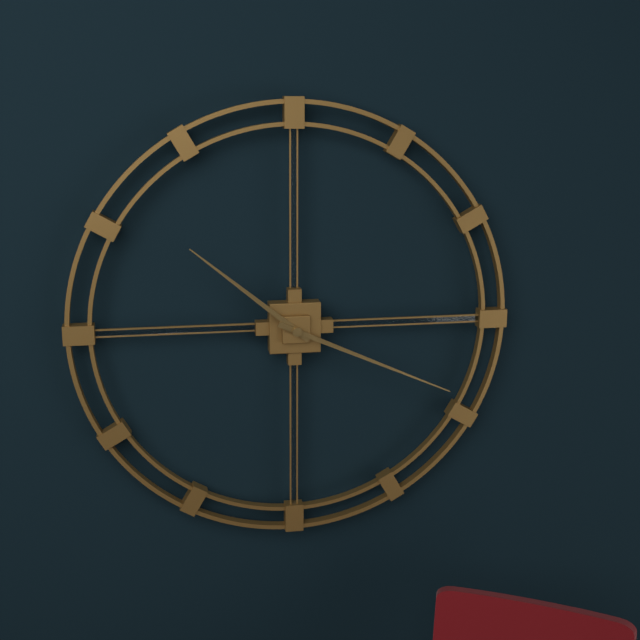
10:19
